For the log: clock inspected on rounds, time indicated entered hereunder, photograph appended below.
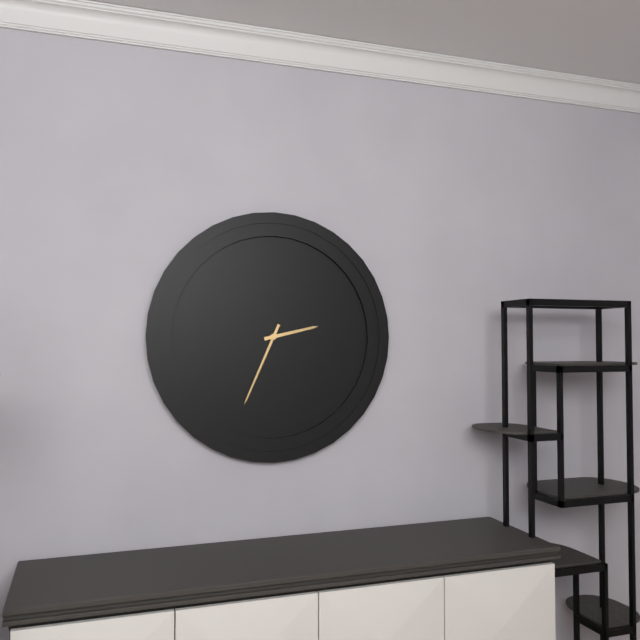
2:34
